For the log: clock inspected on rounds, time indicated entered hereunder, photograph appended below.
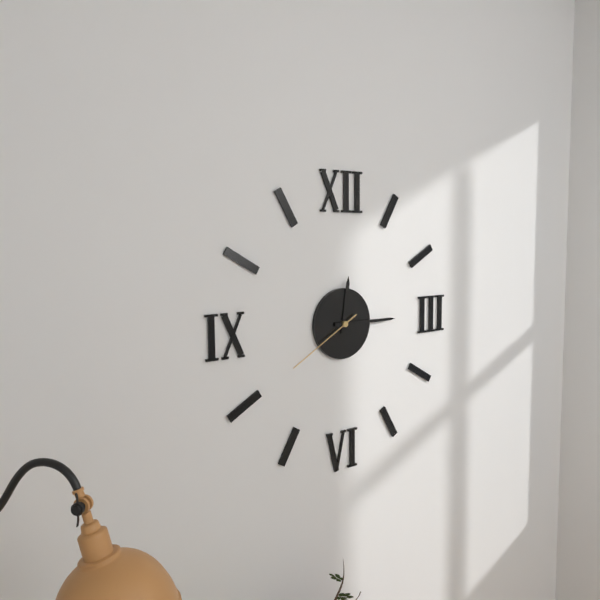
12:15:40
